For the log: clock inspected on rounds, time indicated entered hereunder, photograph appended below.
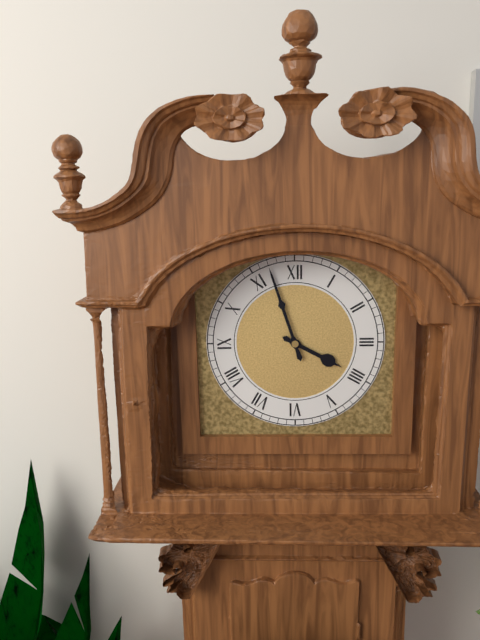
3:57
